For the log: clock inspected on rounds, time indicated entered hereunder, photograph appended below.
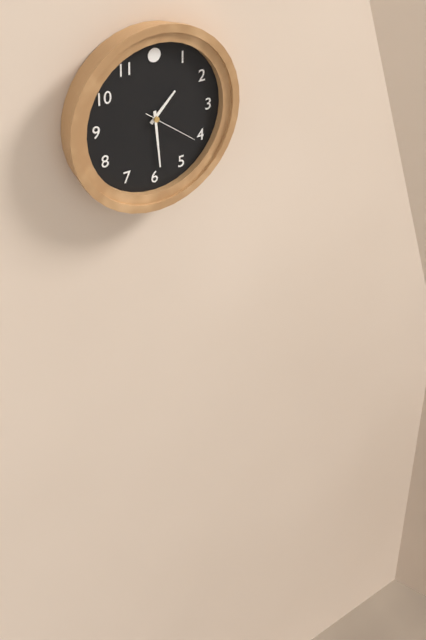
1:29:21
